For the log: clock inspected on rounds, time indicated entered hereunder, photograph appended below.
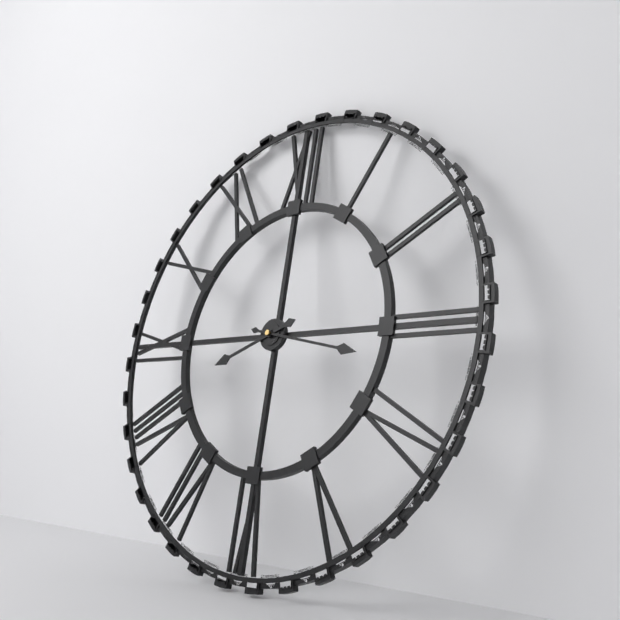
8:17
